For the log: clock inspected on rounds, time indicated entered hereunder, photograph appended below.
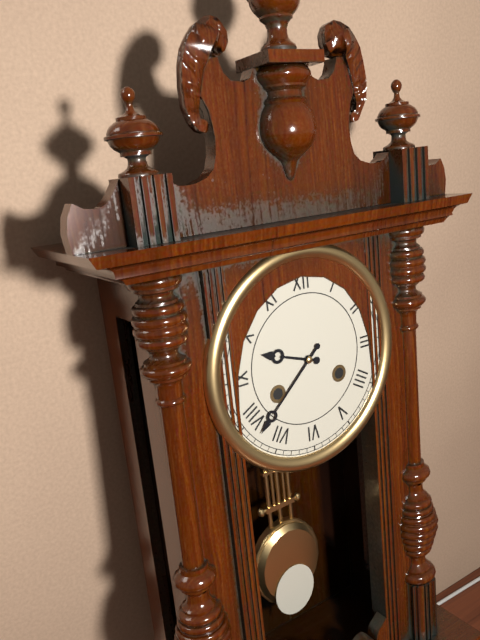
9:38
